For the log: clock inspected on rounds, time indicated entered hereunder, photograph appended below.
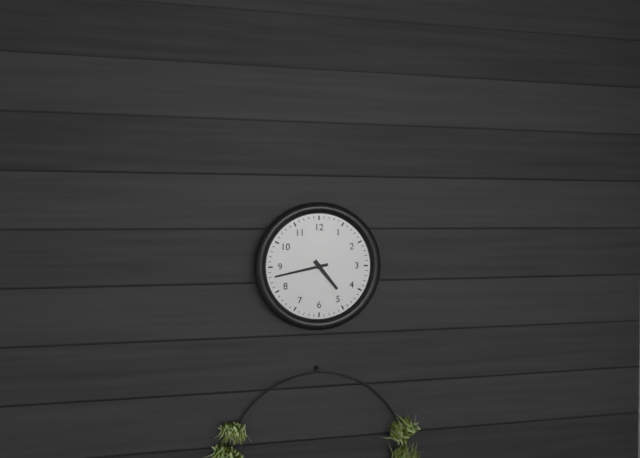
4:43
